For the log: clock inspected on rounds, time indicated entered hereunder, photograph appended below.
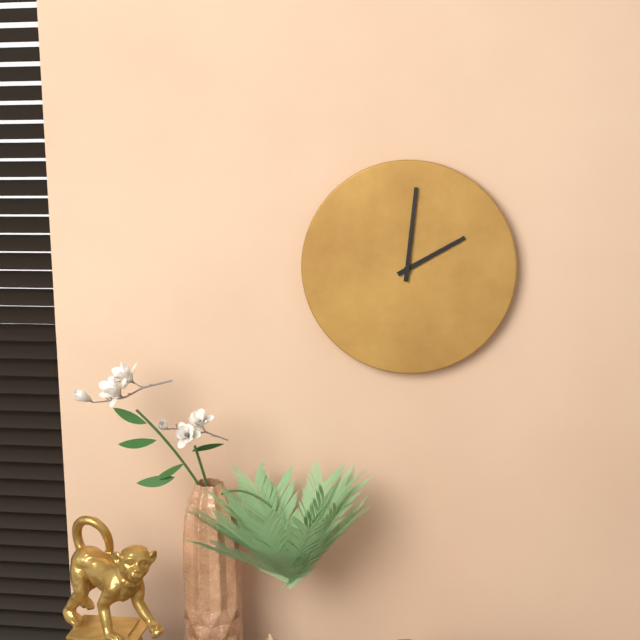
2:01
